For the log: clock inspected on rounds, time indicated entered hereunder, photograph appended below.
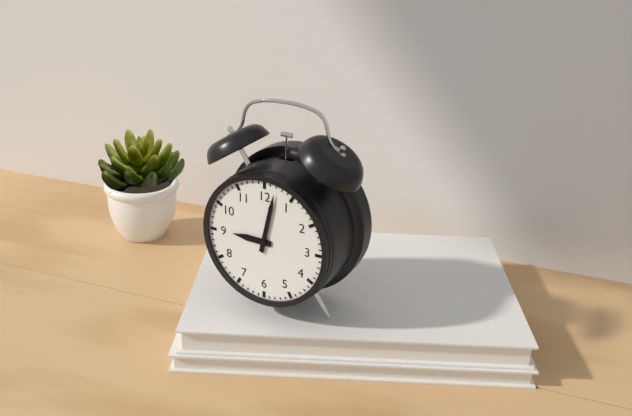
9:02
